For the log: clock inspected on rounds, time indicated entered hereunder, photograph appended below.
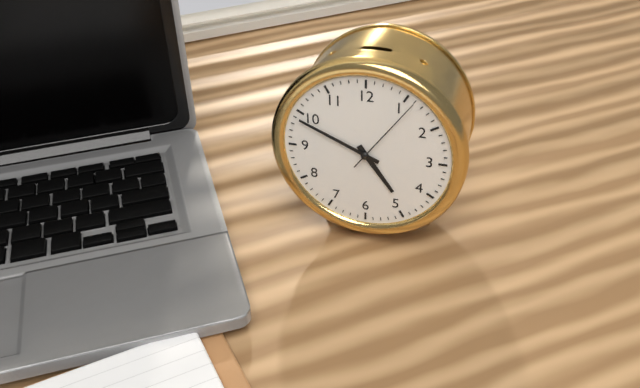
4:49:06
